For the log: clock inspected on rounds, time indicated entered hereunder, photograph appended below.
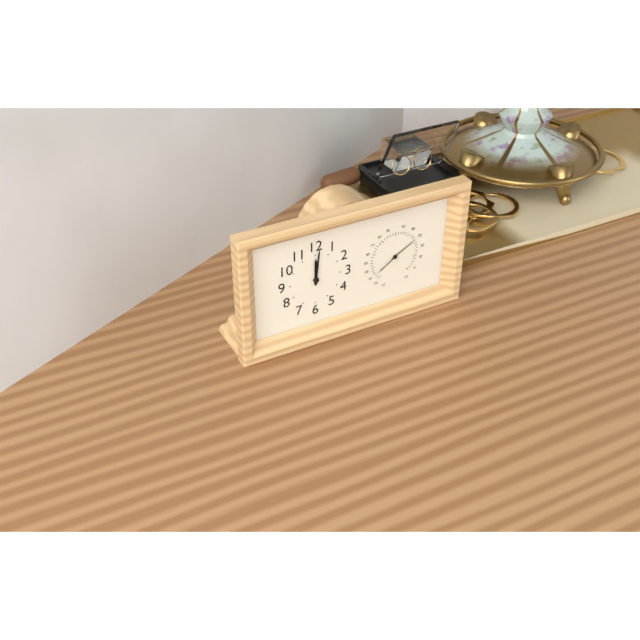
12:01
